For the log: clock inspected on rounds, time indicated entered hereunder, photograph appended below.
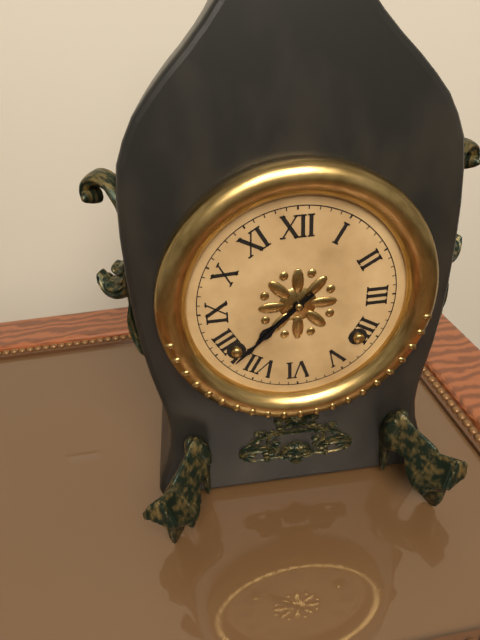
7:38
